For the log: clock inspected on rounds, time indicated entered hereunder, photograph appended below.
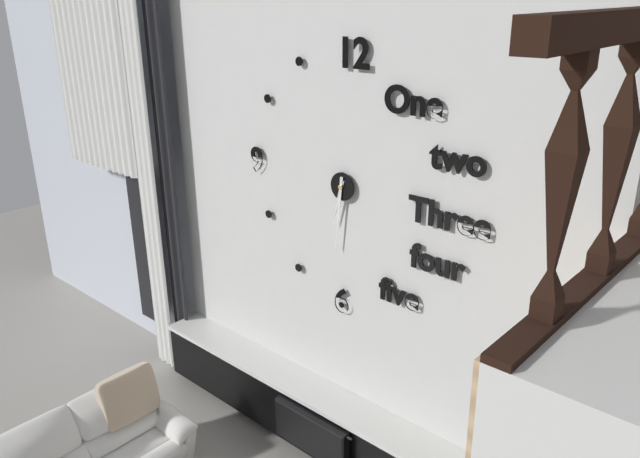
6:31
